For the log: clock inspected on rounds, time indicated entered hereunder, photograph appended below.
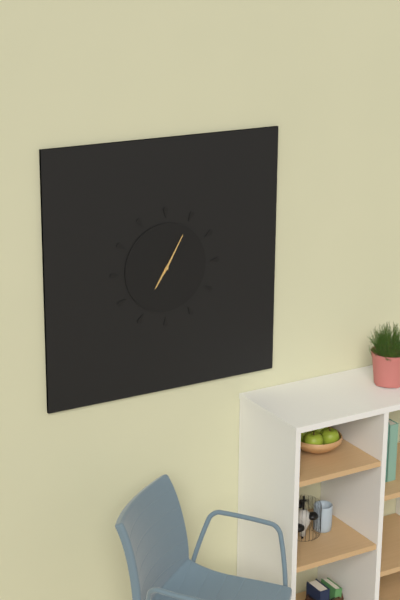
7:05
